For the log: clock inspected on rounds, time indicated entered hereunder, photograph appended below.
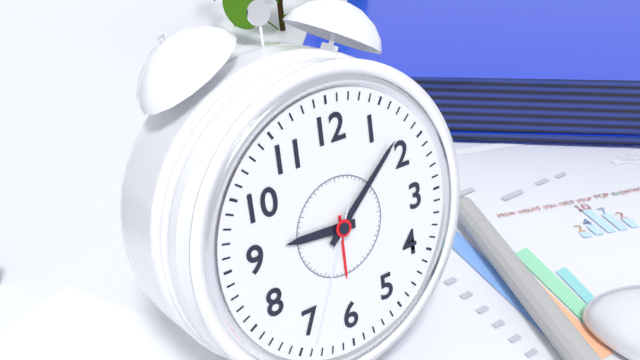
9:08:34
